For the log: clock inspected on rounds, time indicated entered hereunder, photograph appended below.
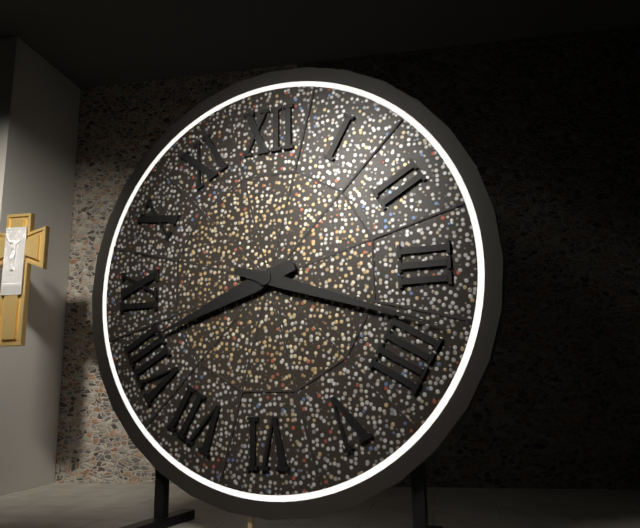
8:18
